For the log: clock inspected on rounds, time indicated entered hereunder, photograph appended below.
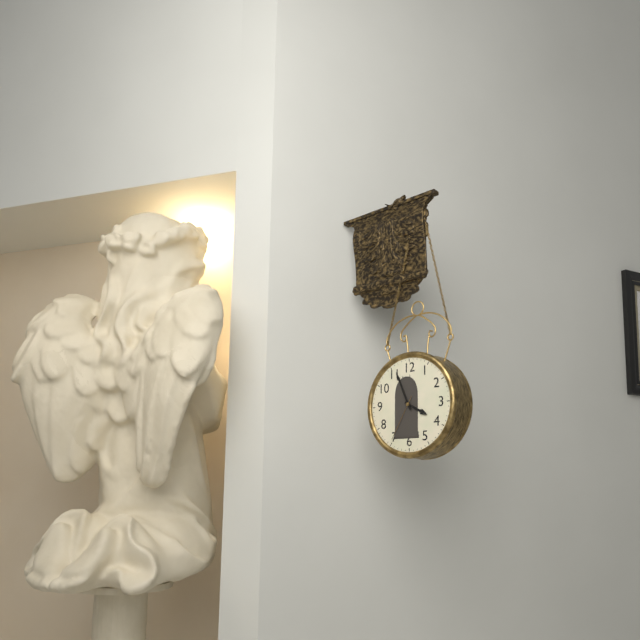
3:56
